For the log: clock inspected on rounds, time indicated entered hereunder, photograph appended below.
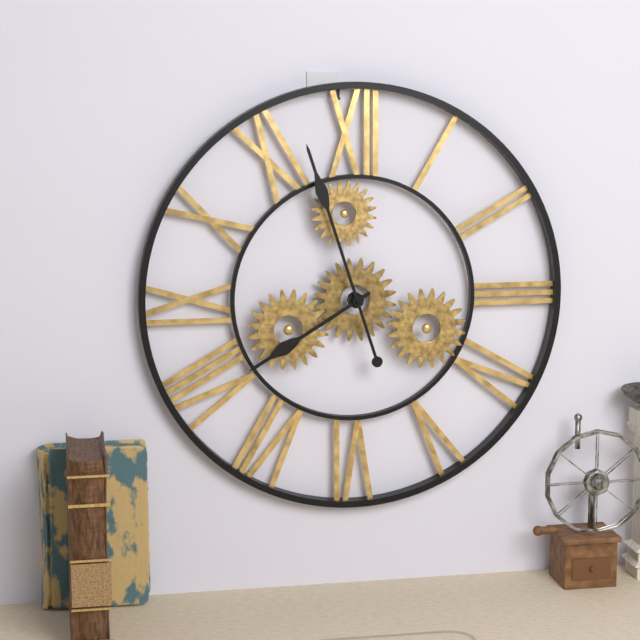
7:57
